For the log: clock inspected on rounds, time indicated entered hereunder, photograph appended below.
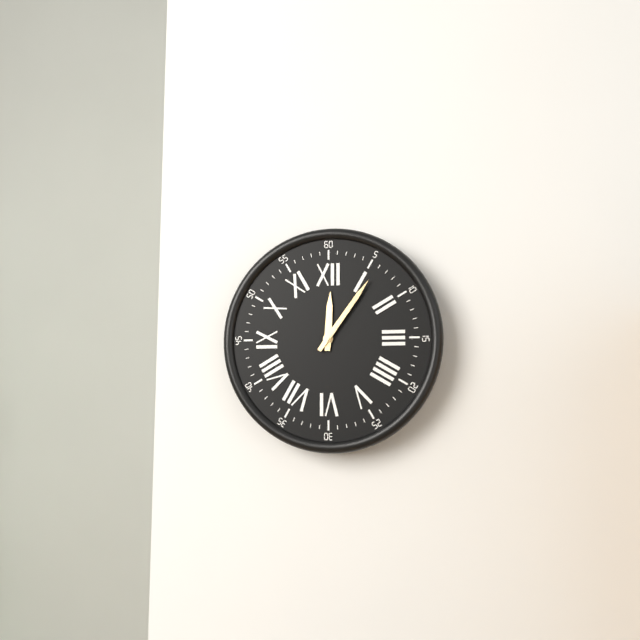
12:06
